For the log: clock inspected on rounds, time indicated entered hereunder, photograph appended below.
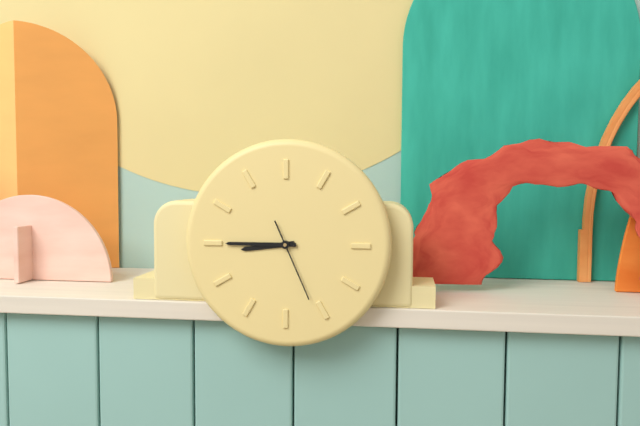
8:45:26
